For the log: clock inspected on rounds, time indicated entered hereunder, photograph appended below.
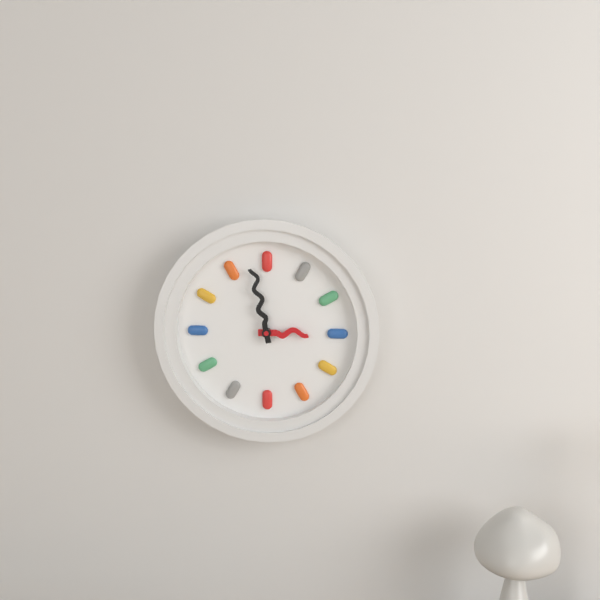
2:58
